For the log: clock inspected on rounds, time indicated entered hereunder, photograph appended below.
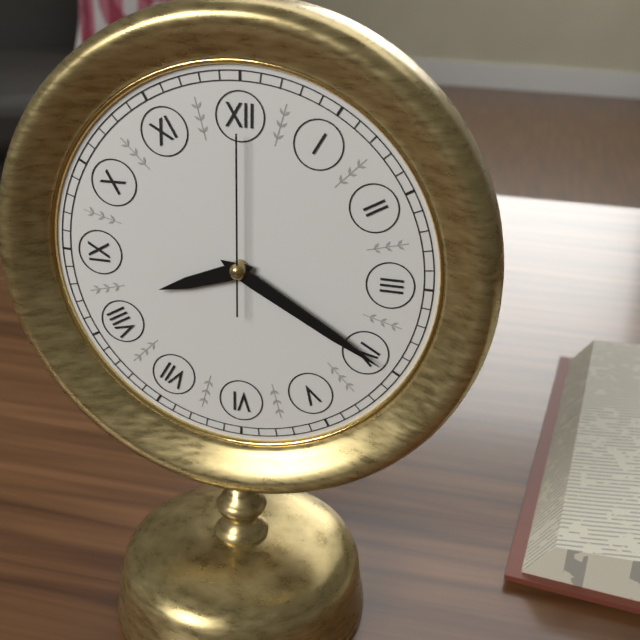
8:20:00
